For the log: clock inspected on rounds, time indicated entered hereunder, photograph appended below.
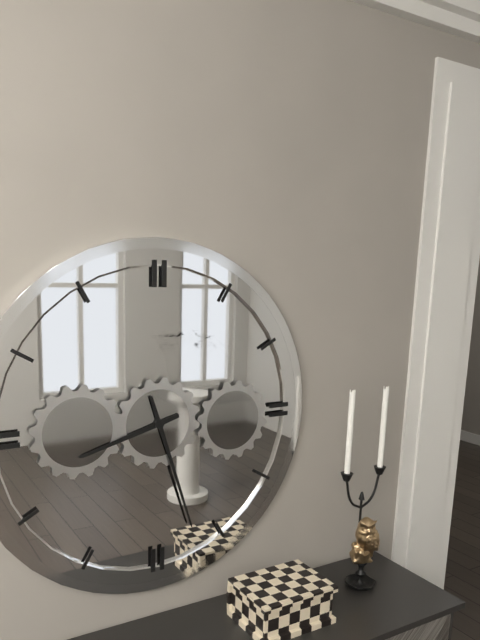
8:27
